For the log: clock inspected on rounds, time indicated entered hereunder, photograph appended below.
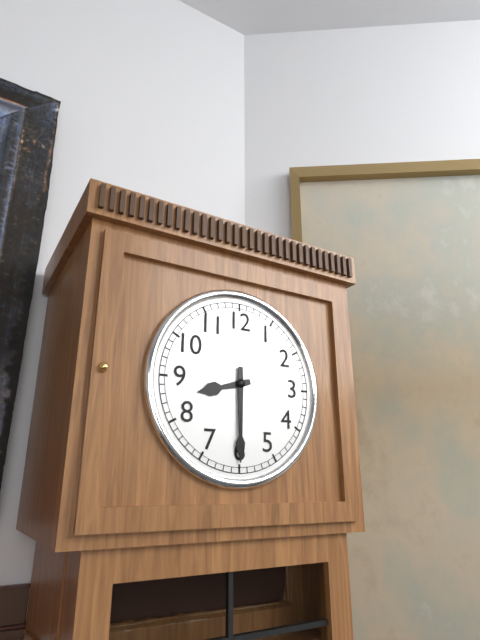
8:30
